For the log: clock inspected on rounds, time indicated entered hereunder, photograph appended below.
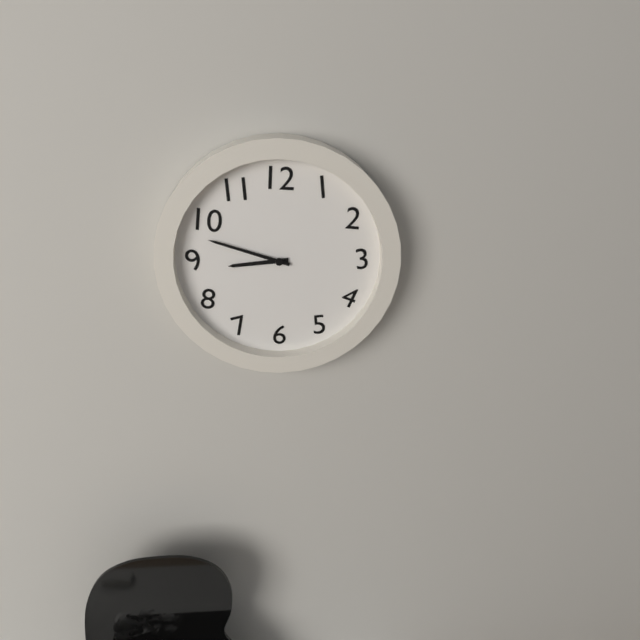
8:48
